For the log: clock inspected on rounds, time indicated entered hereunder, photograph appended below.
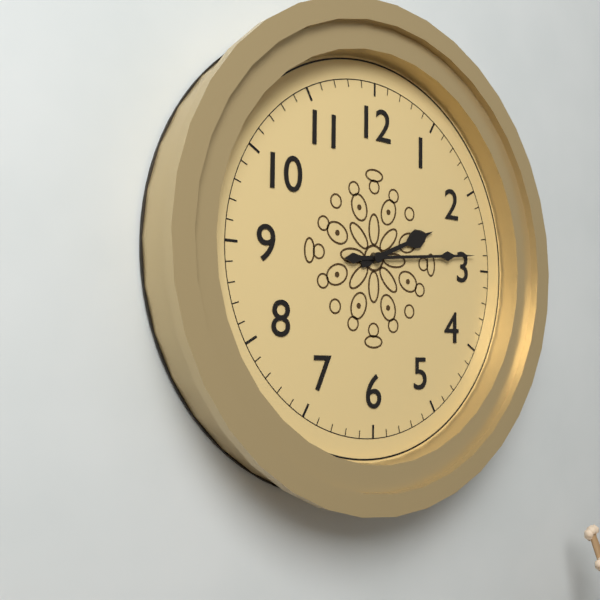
2:14
